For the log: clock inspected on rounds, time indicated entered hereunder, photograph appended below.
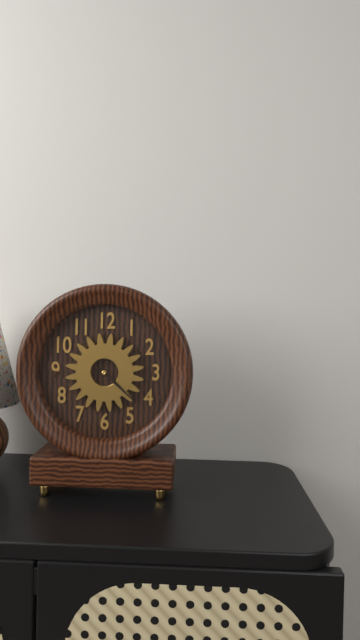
4:22
